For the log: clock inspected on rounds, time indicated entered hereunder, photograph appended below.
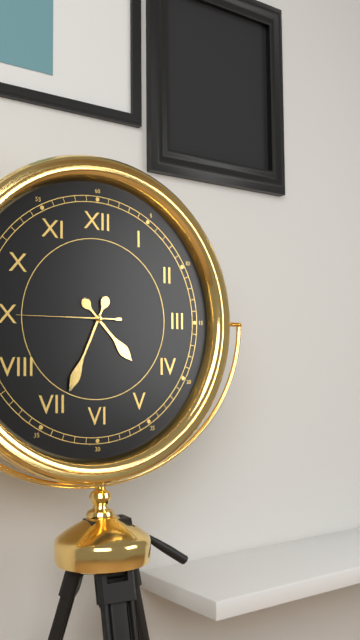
4:34:45
